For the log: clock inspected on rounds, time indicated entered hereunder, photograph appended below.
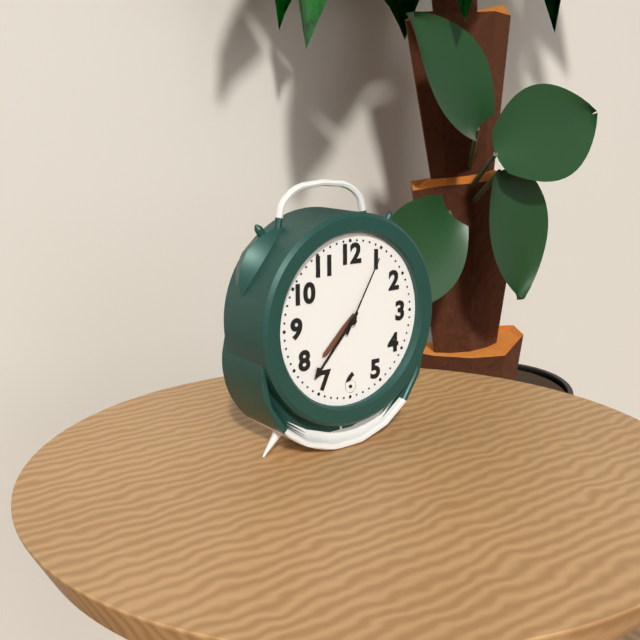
7:37:05
